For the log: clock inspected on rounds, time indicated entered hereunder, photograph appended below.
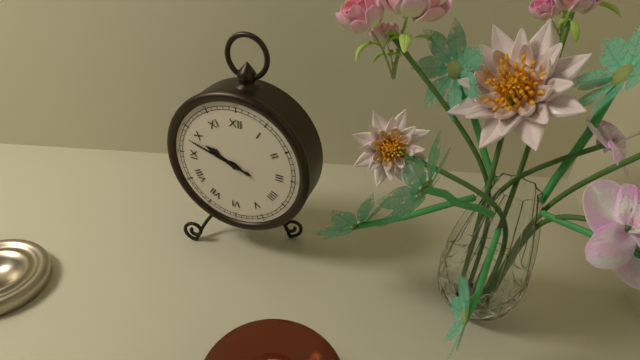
9:48
